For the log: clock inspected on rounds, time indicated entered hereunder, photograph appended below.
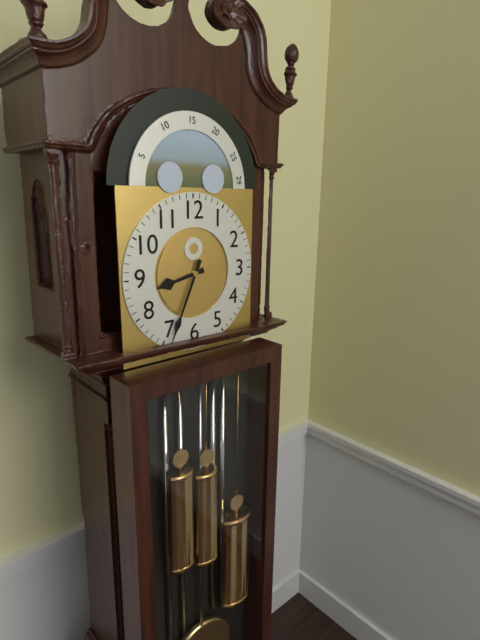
8:34
